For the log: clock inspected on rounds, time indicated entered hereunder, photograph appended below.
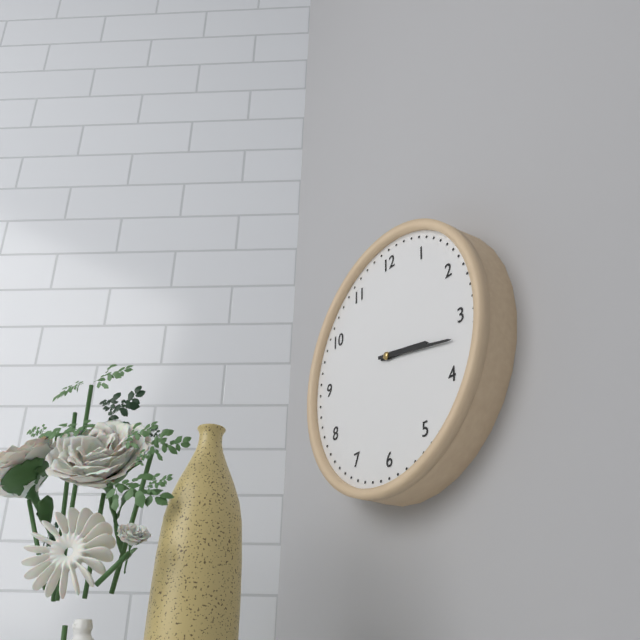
3:17
